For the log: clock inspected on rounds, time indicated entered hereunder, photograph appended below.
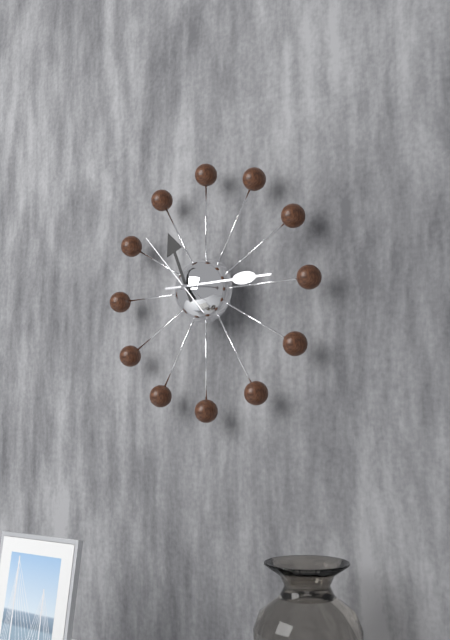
11:15:53
